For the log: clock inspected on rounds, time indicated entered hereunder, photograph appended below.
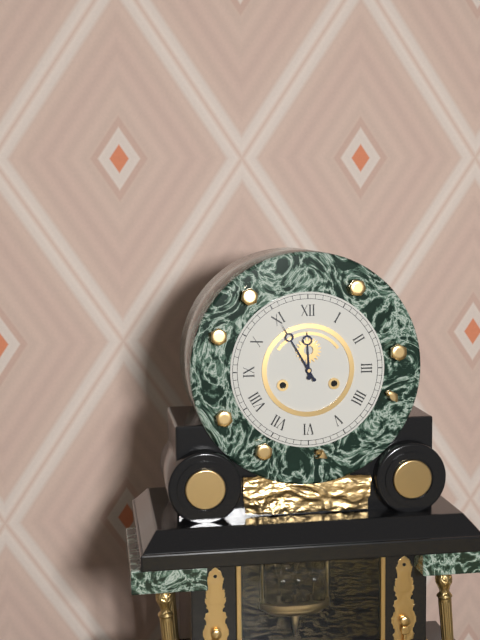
11:55
